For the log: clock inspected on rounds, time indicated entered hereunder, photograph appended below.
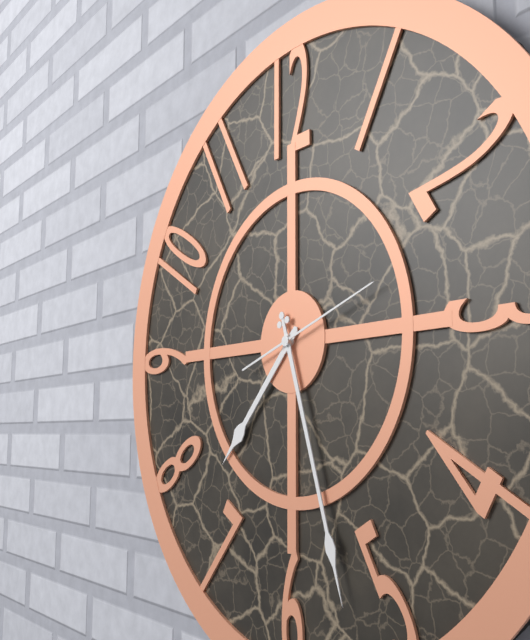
7:27:12
